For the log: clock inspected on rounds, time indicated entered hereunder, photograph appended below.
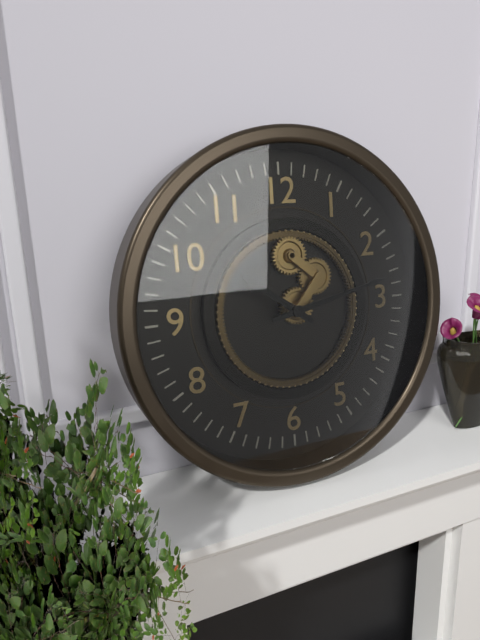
10:13
